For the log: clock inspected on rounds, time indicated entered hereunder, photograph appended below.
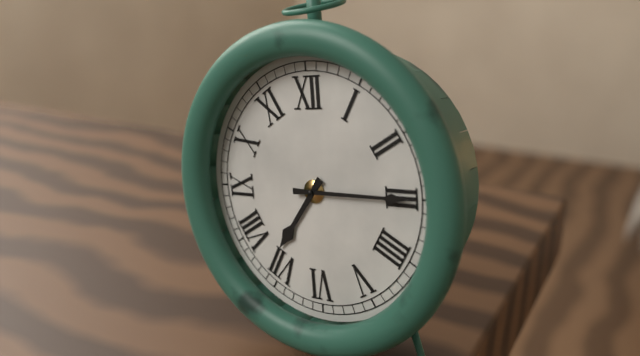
7:15
